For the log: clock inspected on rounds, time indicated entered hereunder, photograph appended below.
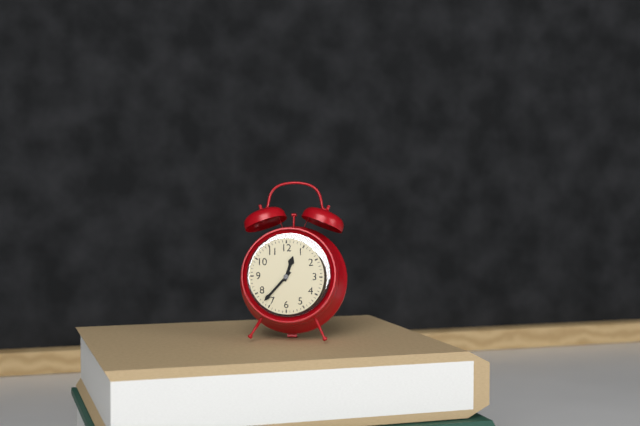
12:37
